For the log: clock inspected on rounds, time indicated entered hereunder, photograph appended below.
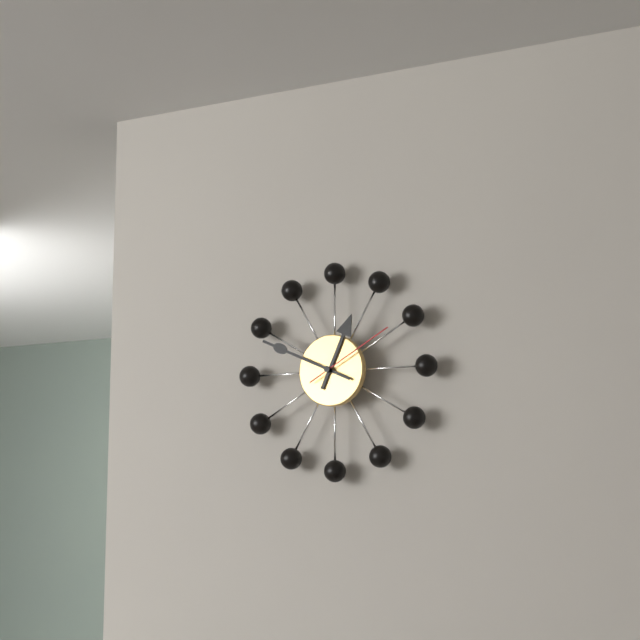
12:49:10
